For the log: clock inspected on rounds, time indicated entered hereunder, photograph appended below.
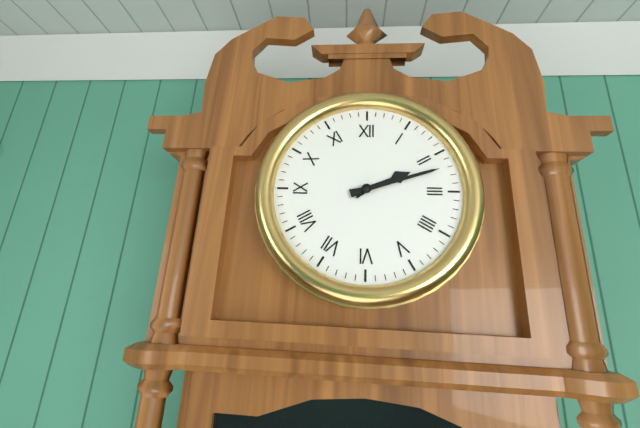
2:12
